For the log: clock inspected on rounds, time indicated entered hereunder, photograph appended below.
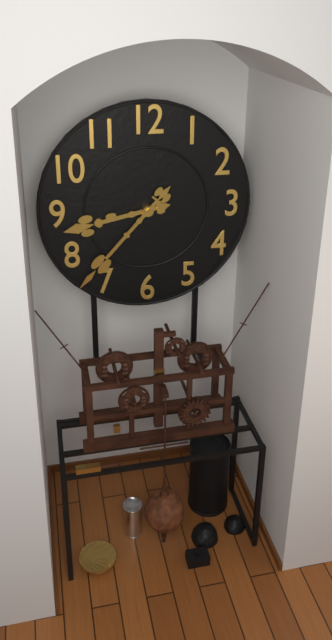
8:37
